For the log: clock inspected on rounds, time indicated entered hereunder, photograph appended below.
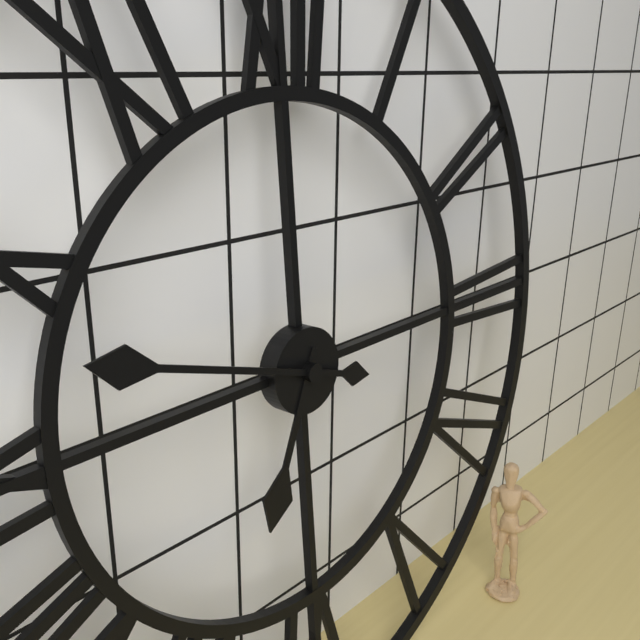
6:48
